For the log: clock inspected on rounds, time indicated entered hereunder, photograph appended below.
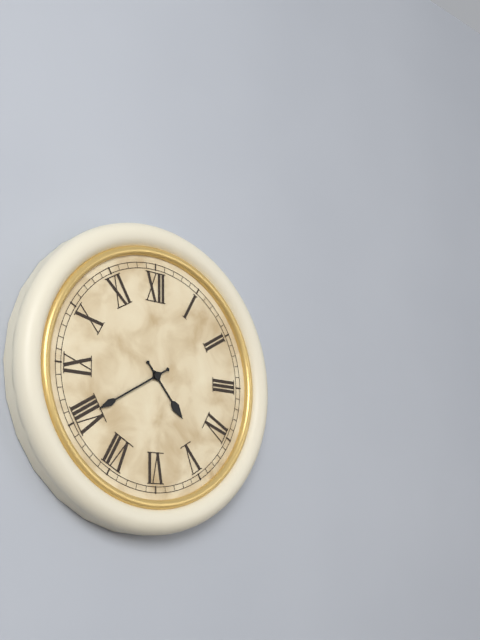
4:40
